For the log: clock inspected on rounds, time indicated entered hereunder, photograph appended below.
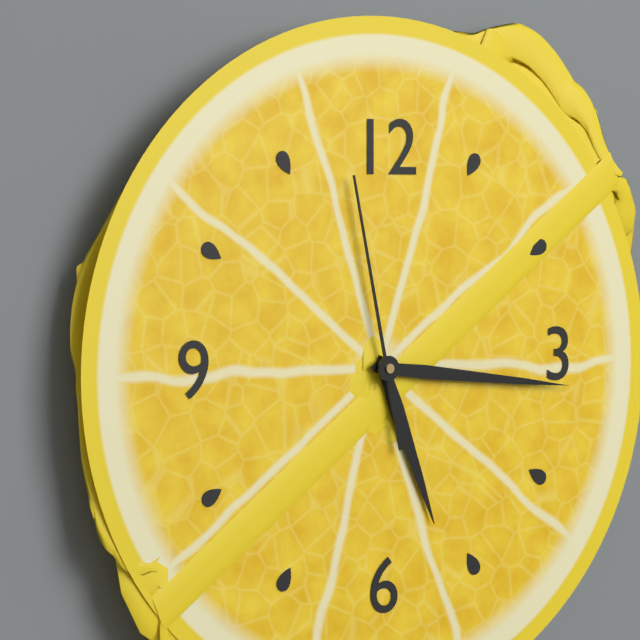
5:16:58
